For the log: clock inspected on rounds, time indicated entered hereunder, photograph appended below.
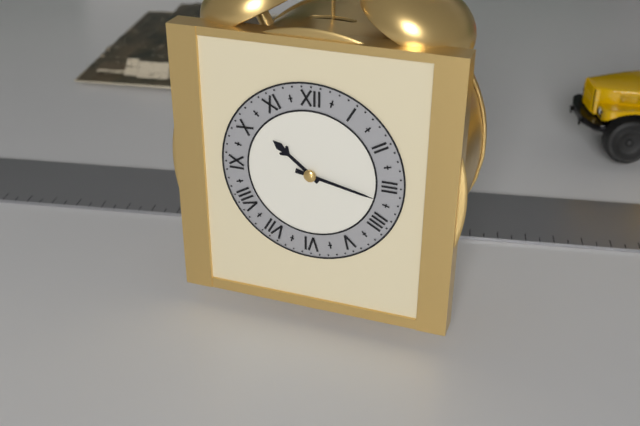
10:17
